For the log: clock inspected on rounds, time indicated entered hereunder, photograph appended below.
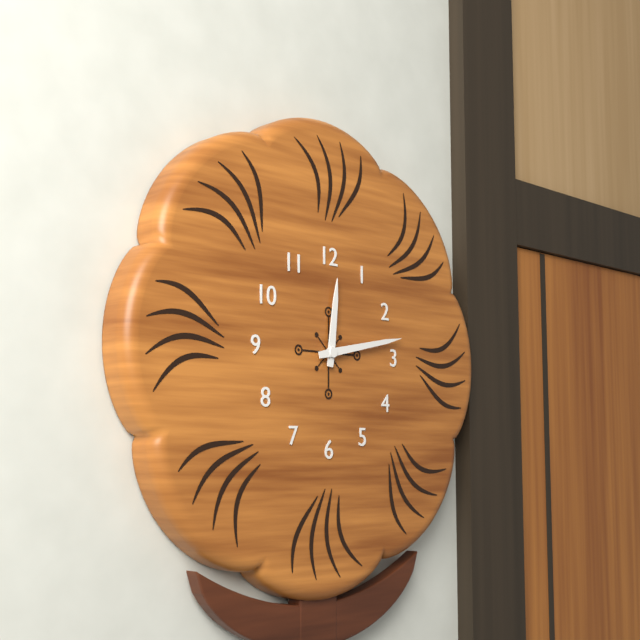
12:13
